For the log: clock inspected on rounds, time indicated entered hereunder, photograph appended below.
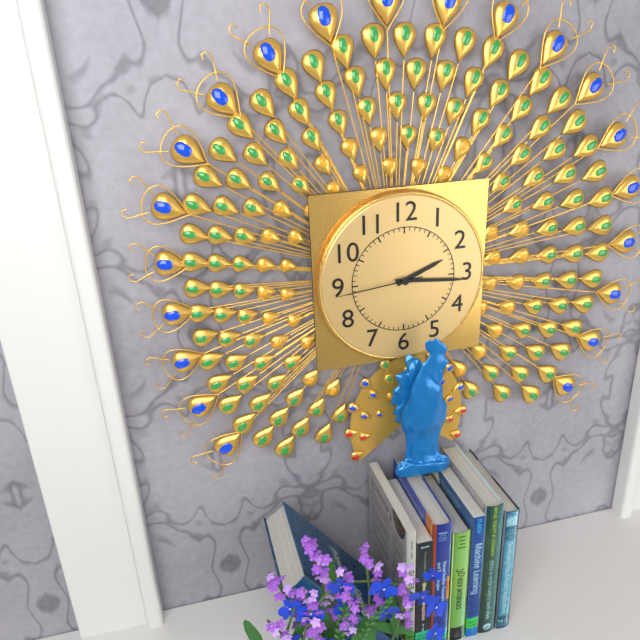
2:16:44
